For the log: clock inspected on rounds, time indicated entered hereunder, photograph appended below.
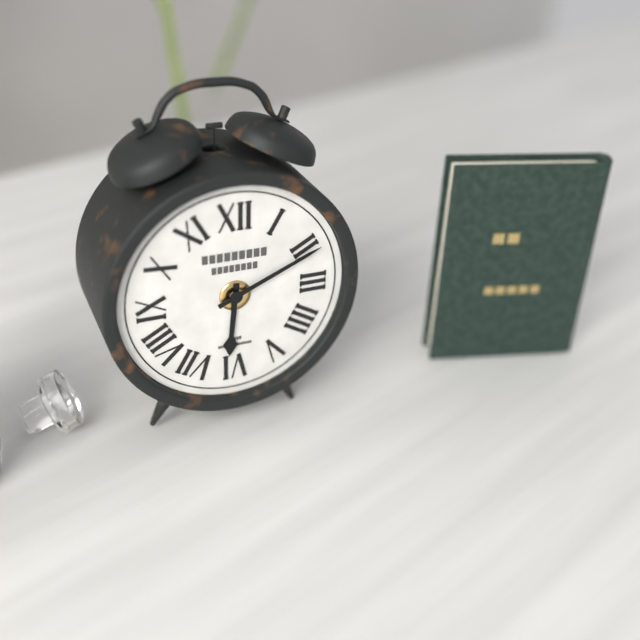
6:11
